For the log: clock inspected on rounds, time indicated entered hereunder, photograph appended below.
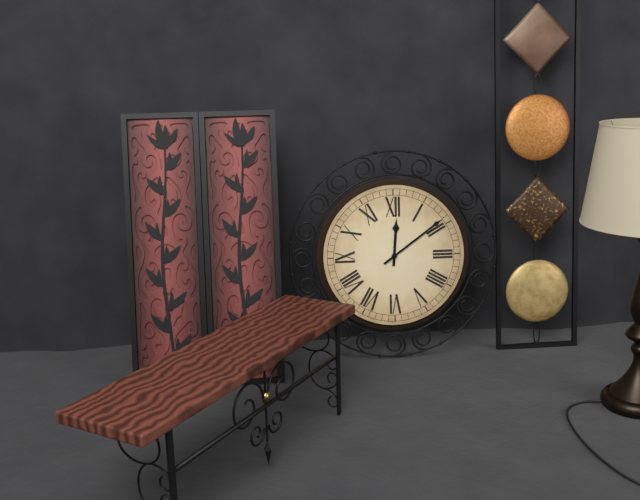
12:09
